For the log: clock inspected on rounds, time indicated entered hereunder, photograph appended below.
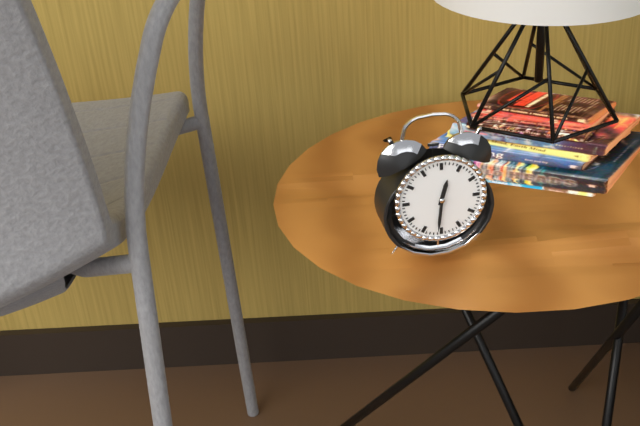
12:31
